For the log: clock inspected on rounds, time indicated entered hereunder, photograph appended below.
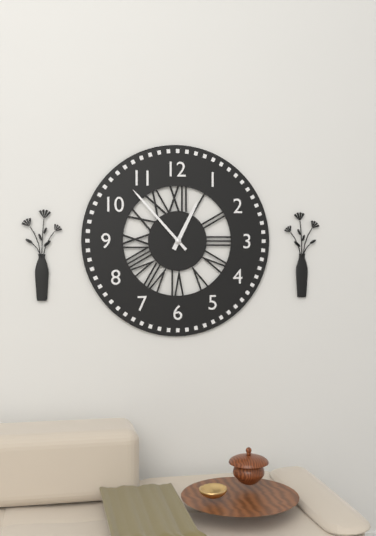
12:53
